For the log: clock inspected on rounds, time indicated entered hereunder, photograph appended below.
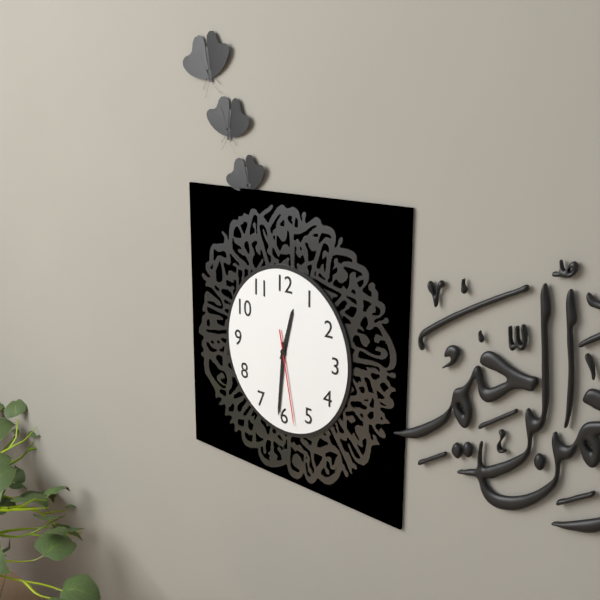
12:31:28
